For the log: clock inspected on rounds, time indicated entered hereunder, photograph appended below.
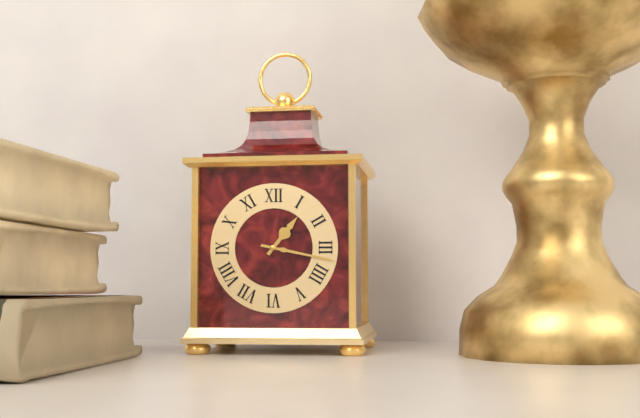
1:17
